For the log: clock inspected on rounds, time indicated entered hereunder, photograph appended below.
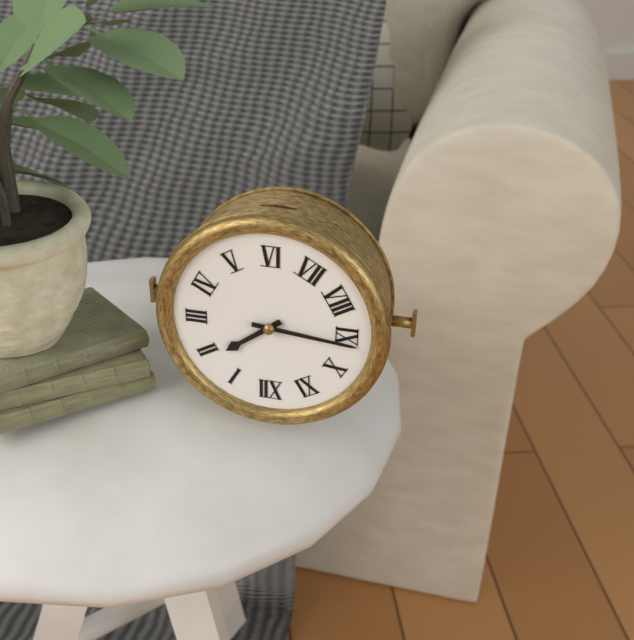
1:46
